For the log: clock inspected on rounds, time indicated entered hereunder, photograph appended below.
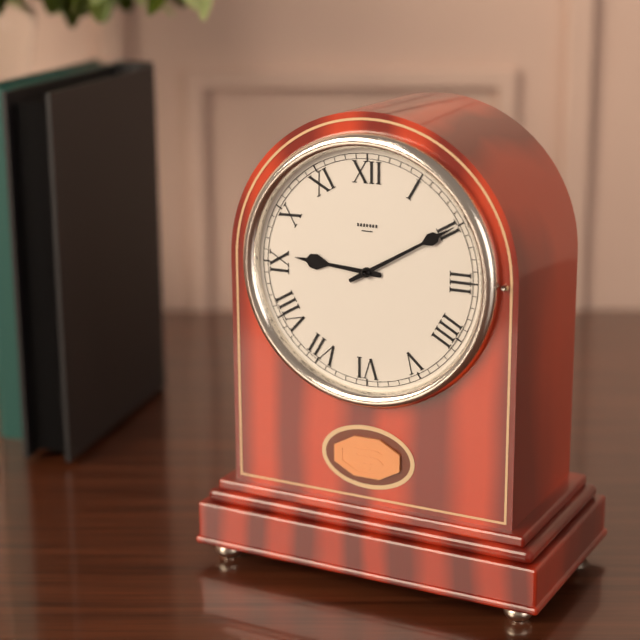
9:10
